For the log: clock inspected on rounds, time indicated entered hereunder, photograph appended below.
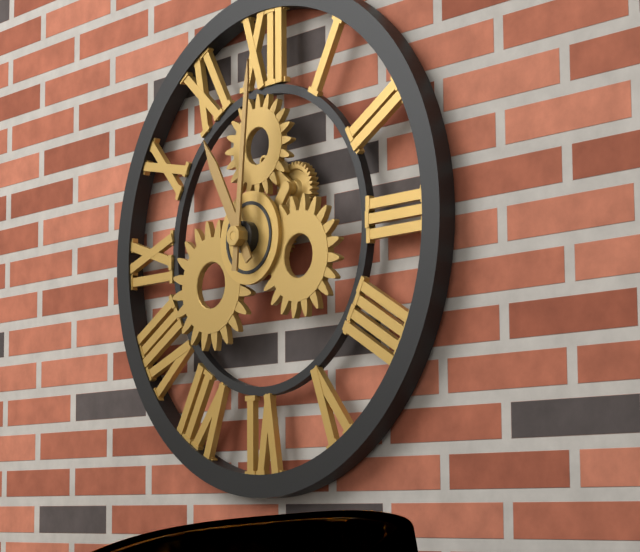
11:01
